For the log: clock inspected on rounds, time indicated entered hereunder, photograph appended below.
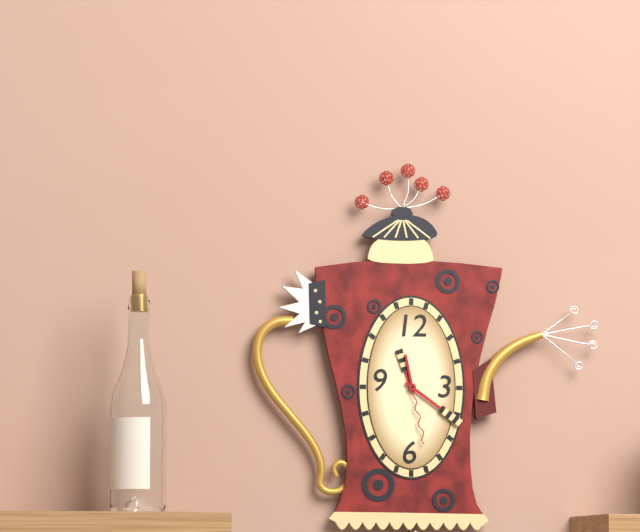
11:21:28
